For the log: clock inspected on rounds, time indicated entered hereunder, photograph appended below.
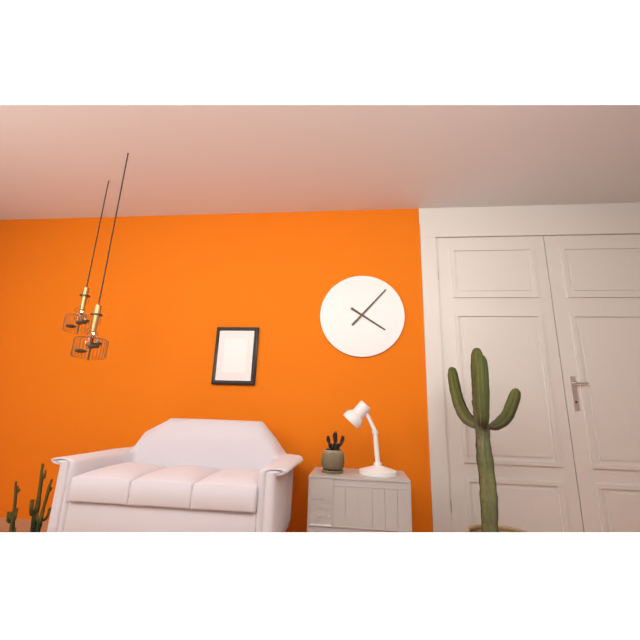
4:07
